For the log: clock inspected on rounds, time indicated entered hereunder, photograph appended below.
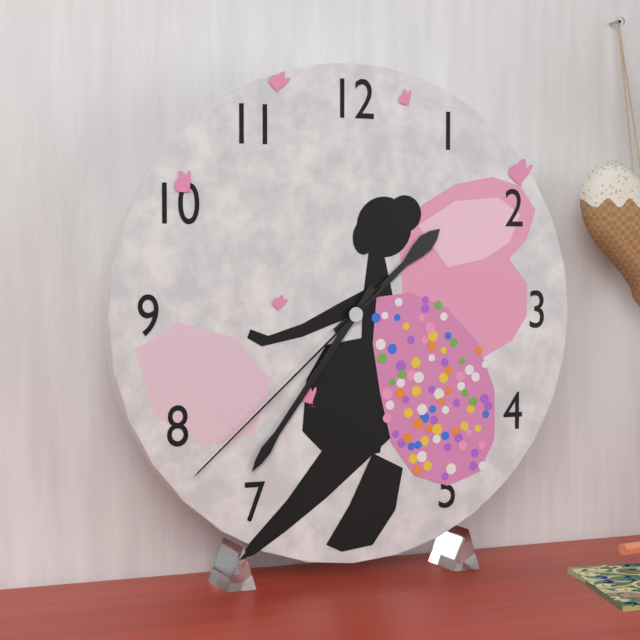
1:36:38
